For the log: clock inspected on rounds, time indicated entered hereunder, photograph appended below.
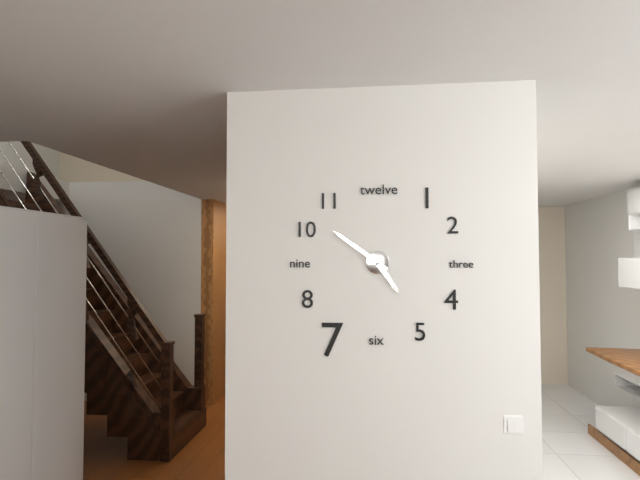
4:51
